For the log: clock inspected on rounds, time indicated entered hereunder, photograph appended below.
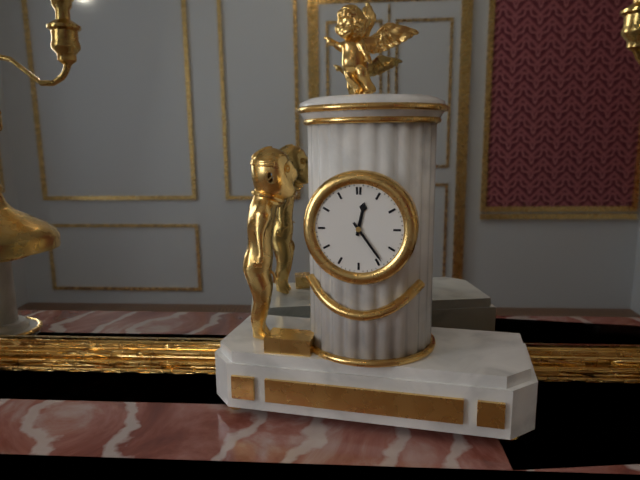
12:24
